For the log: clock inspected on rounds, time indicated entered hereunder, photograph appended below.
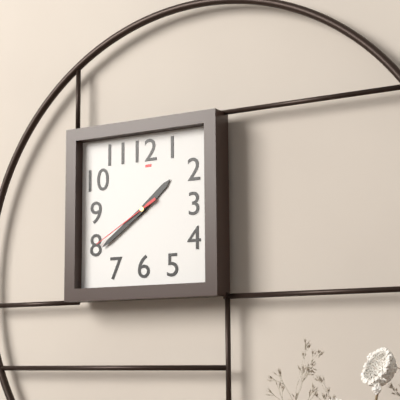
1:39:40
